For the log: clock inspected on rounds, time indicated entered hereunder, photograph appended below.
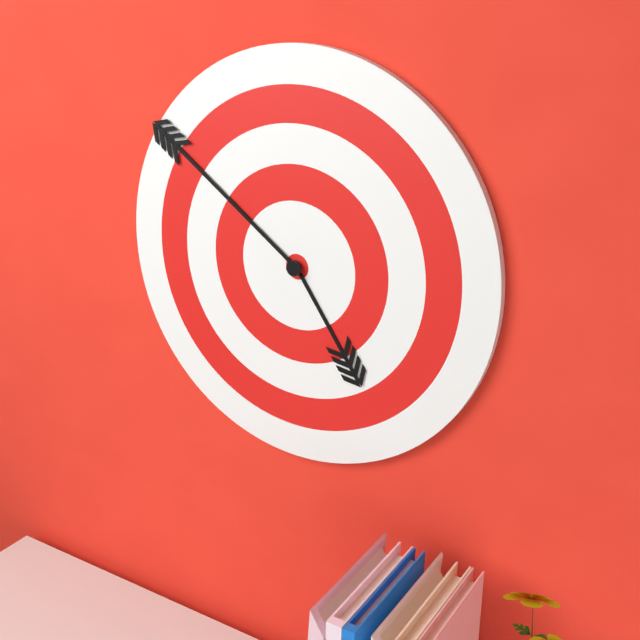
4:51
